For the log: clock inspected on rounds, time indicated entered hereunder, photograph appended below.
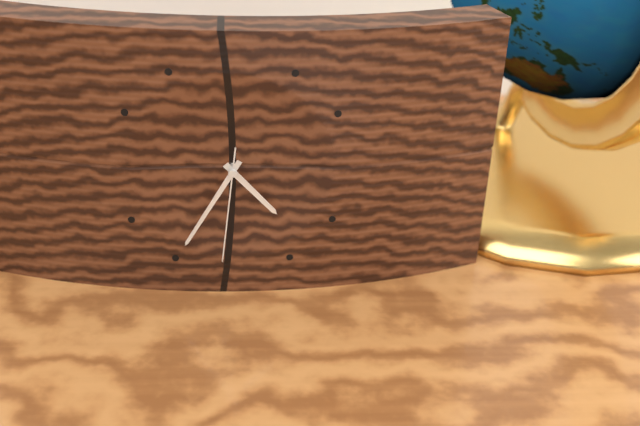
4:35:31
